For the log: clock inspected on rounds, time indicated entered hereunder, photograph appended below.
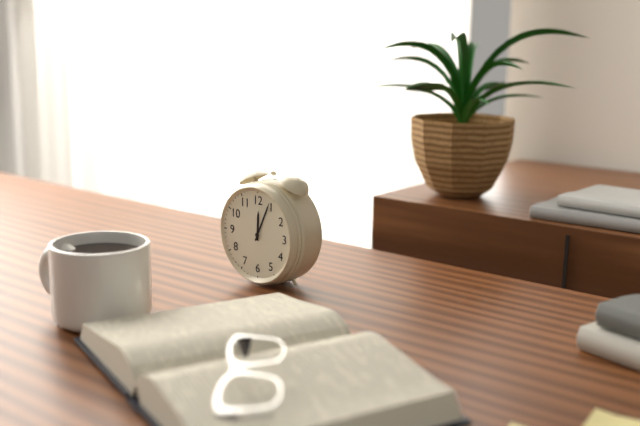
12:04
